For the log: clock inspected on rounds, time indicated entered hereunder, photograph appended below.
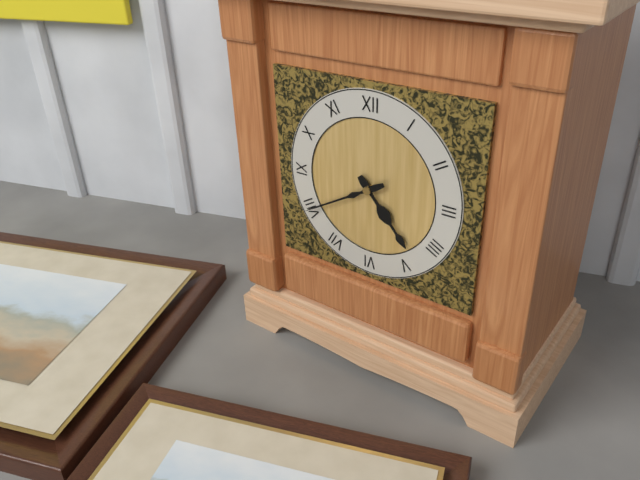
4:40
